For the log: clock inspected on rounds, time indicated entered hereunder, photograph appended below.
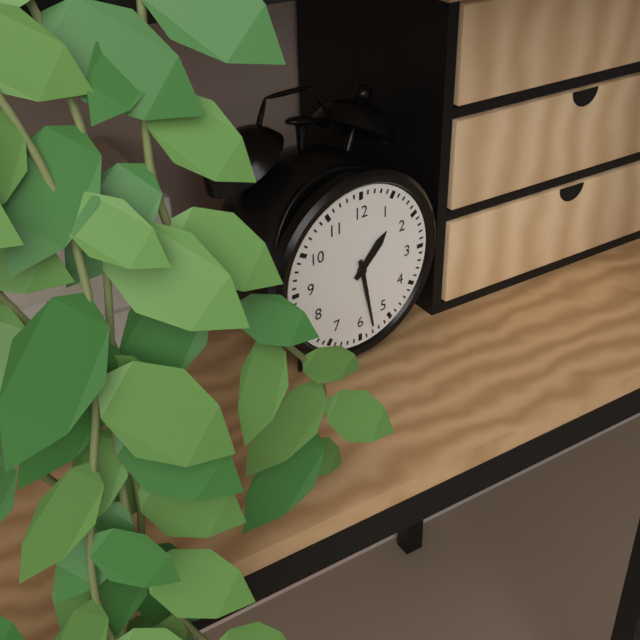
1:28
